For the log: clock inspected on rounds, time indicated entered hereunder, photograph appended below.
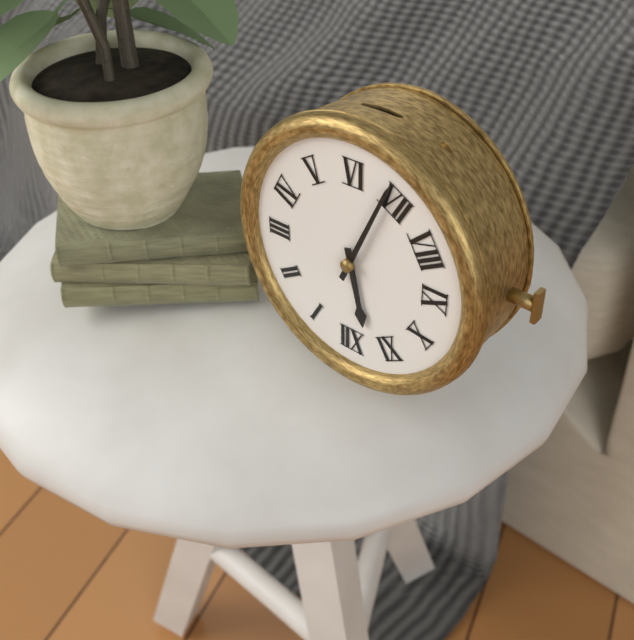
11:34
